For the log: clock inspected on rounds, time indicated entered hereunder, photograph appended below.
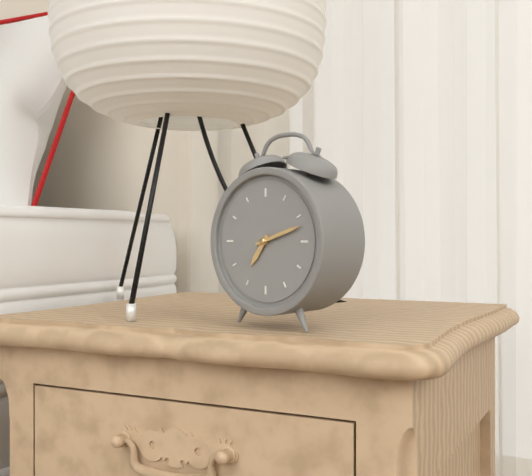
7:12
